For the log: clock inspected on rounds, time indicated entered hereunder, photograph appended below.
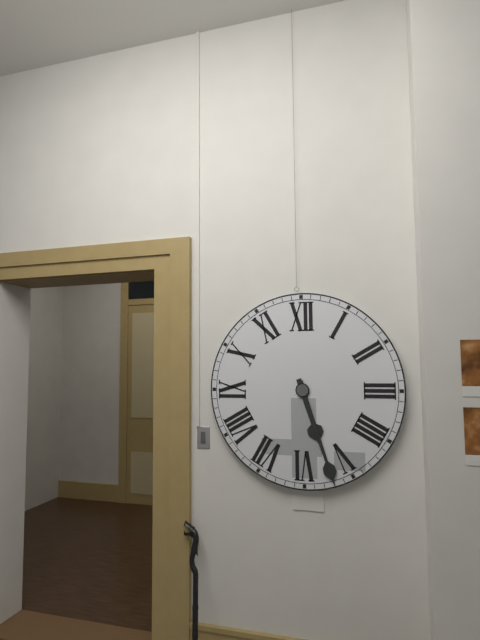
5:27
